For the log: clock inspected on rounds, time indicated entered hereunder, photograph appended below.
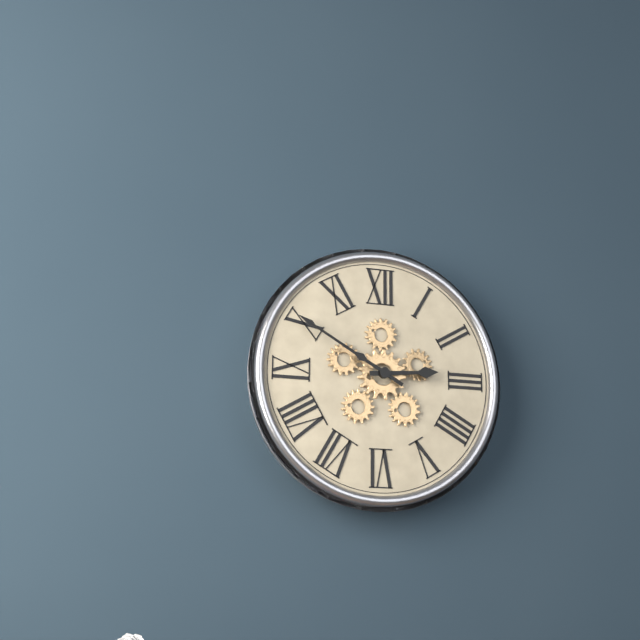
2:50
